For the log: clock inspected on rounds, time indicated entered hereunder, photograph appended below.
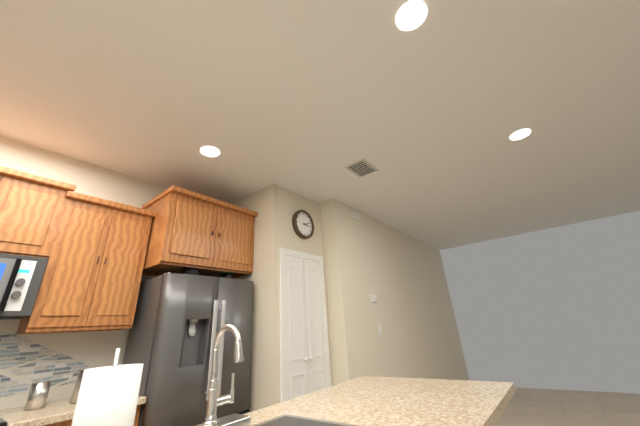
3:12
